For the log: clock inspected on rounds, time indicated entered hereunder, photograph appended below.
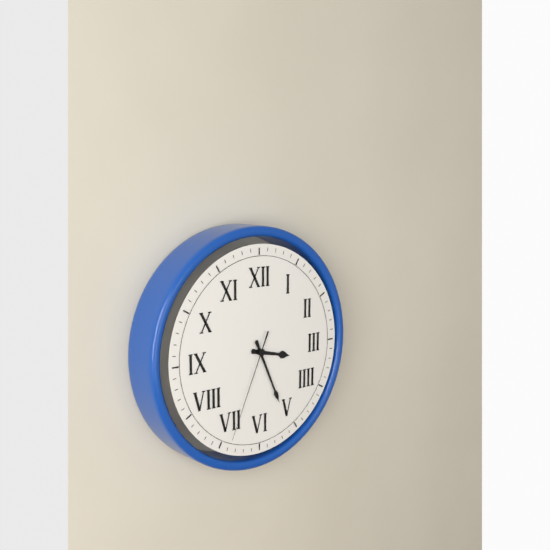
3:26:34
